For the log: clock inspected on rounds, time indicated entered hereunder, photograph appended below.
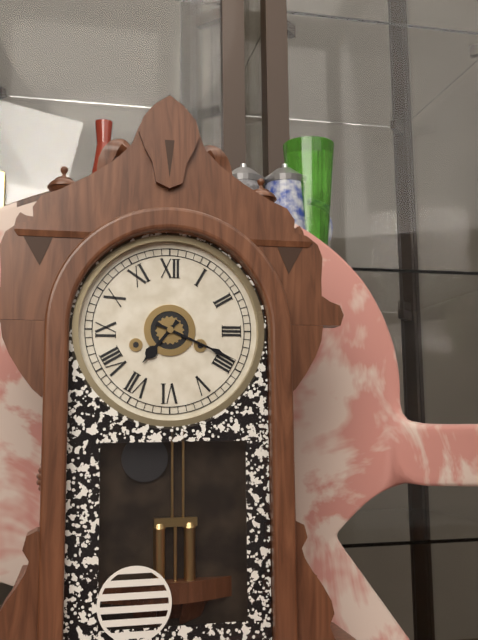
7:19
